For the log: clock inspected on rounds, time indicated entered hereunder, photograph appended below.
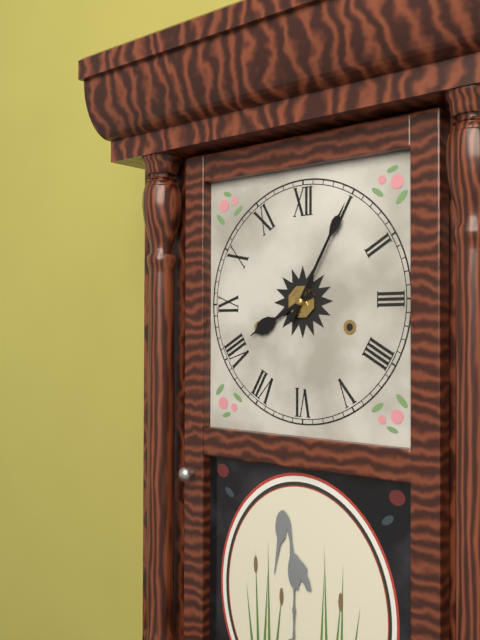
8:05
